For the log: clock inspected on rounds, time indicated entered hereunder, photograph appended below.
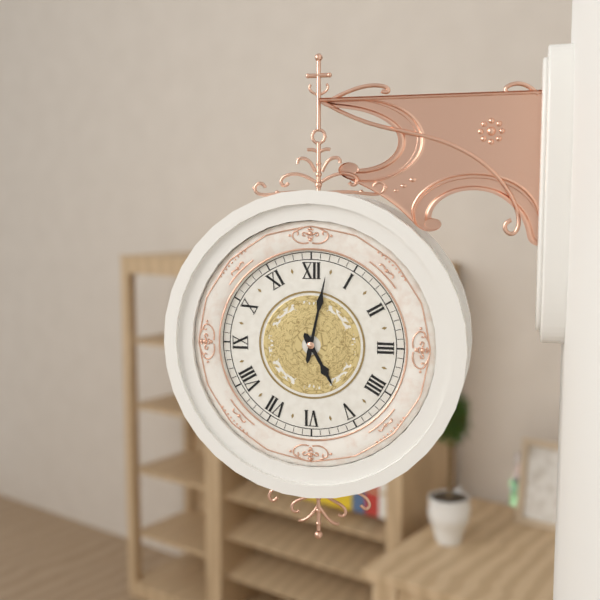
5:02
